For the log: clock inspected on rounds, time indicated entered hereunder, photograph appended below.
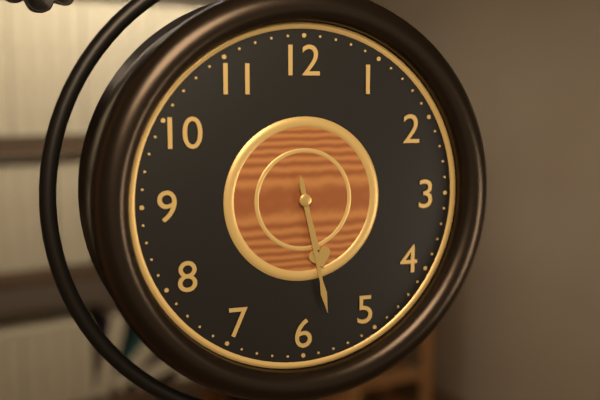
5:28
